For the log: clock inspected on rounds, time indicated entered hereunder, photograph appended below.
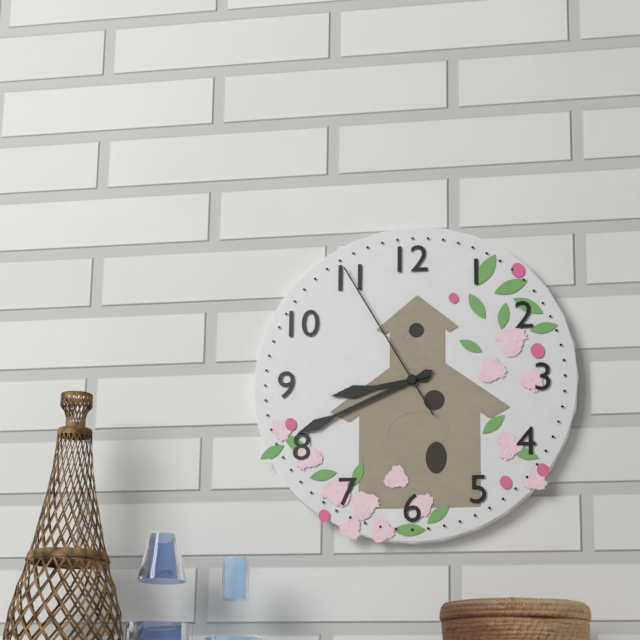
8:41:55
